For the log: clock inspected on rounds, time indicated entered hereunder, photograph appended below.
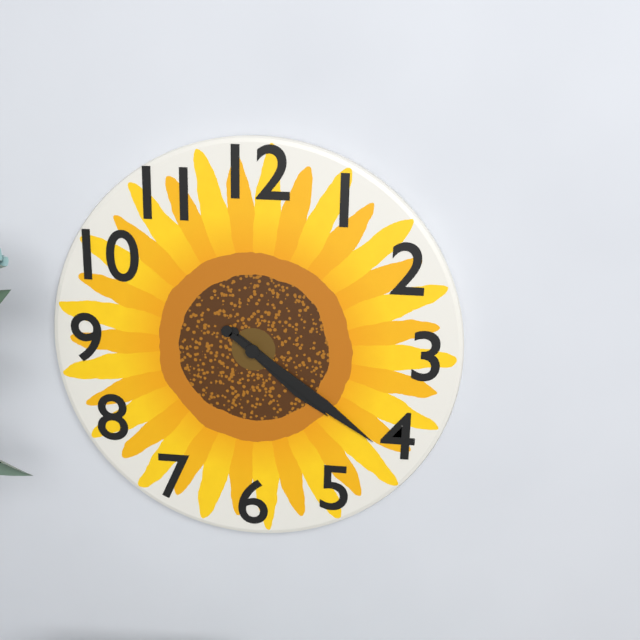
4:21
